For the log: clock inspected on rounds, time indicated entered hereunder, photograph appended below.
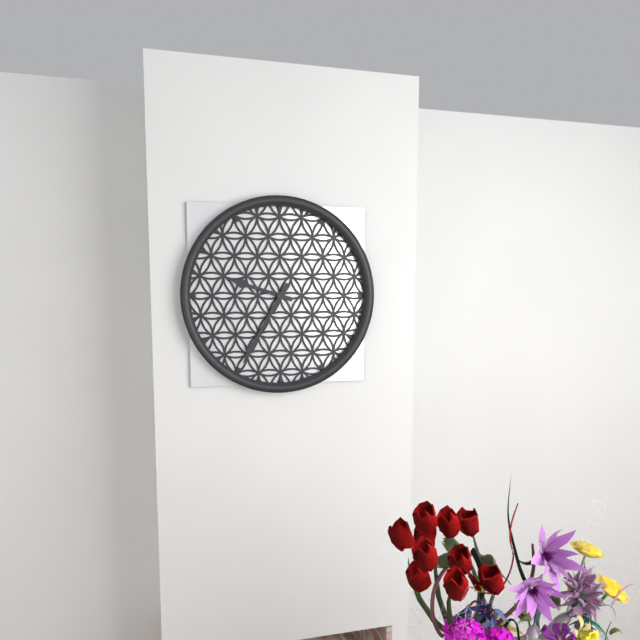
9:35
